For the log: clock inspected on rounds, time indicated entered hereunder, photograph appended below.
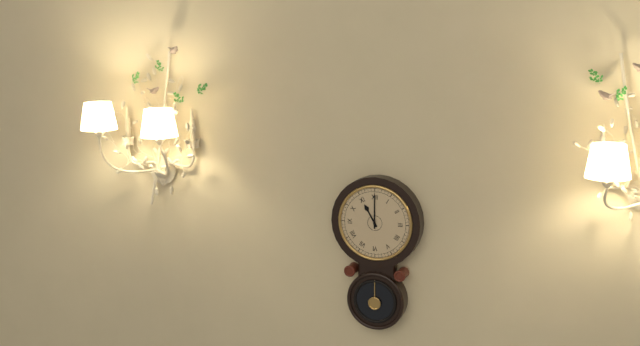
11:00
